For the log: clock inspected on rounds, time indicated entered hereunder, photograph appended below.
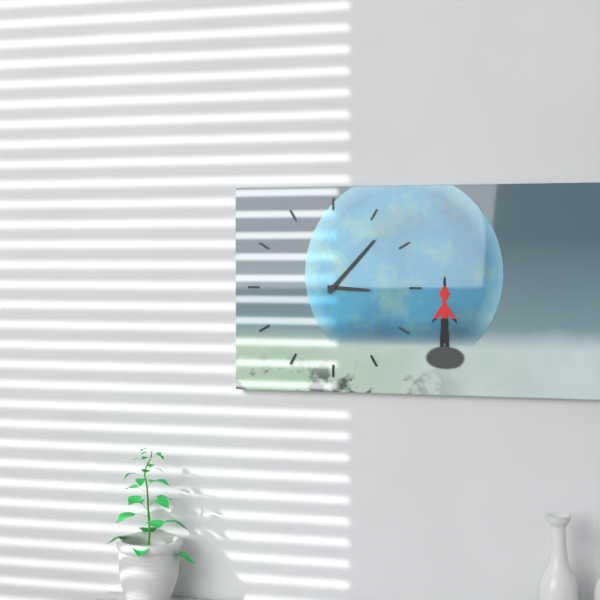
3:07
